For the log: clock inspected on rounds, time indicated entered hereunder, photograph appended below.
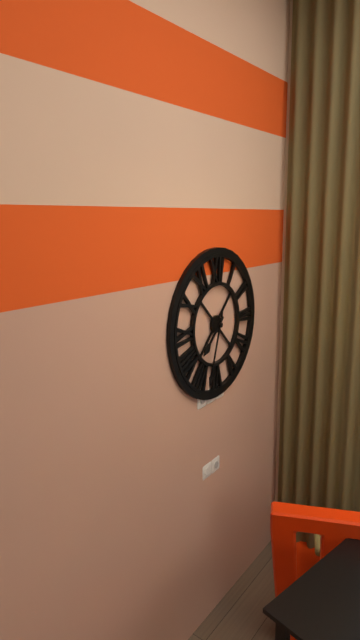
7:33
